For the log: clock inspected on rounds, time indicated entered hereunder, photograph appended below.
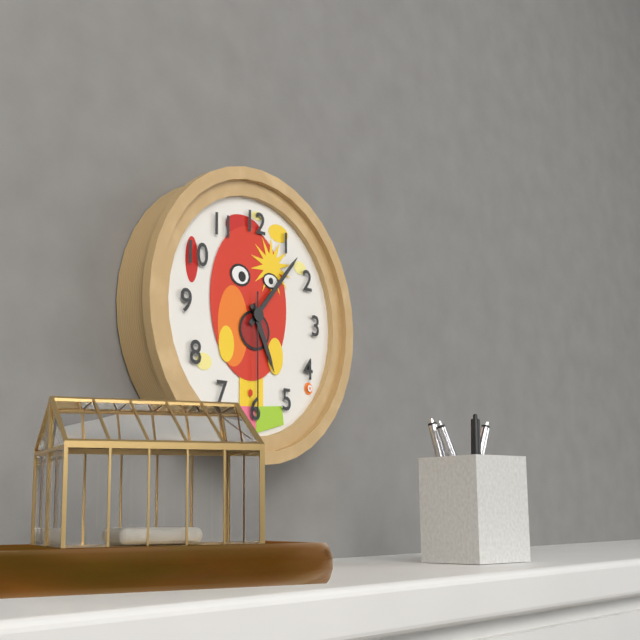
5:07:30
